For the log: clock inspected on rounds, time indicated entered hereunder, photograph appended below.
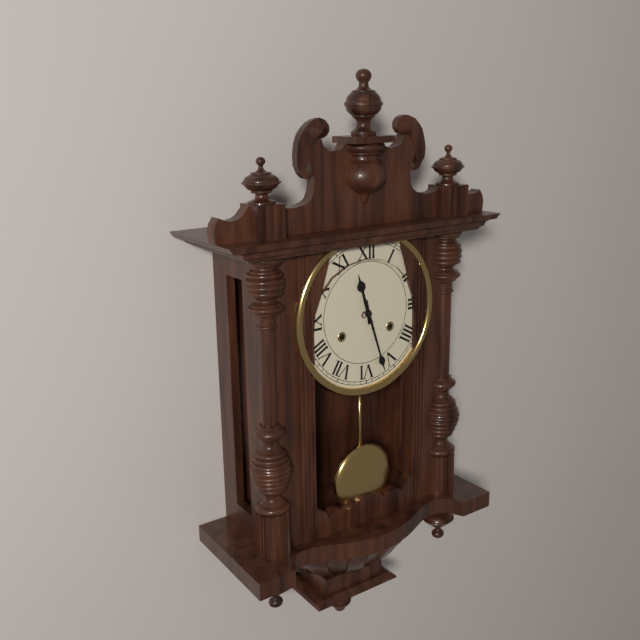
11:27
